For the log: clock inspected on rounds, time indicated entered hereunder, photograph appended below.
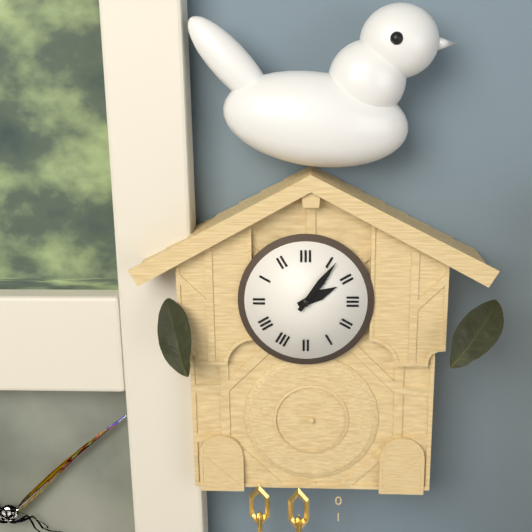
2:06
